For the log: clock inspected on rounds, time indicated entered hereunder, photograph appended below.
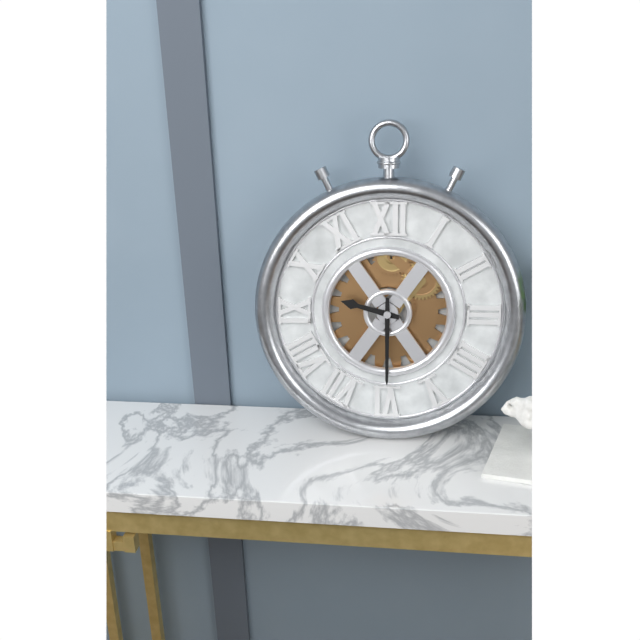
9:30
